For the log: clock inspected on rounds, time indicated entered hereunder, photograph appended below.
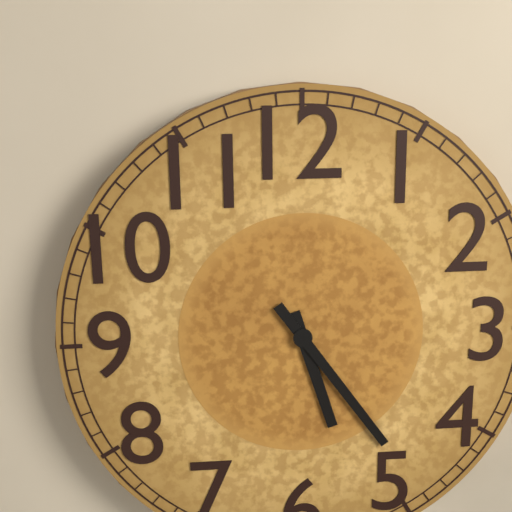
5:24
